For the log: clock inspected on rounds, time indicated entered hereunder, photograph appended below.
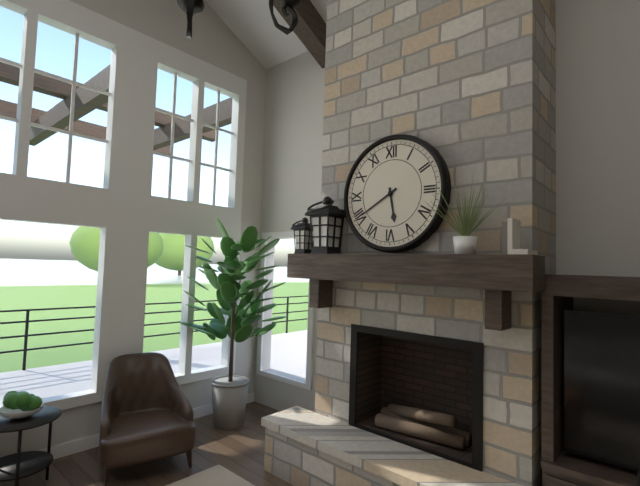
5:40
